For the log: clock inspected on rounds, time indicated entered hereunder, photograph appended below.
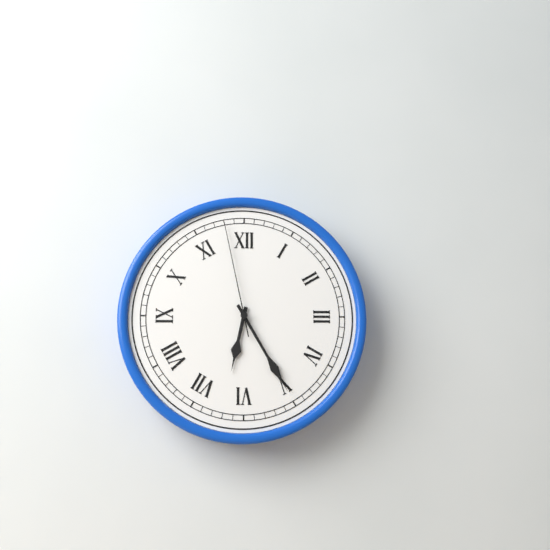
6:25:58
